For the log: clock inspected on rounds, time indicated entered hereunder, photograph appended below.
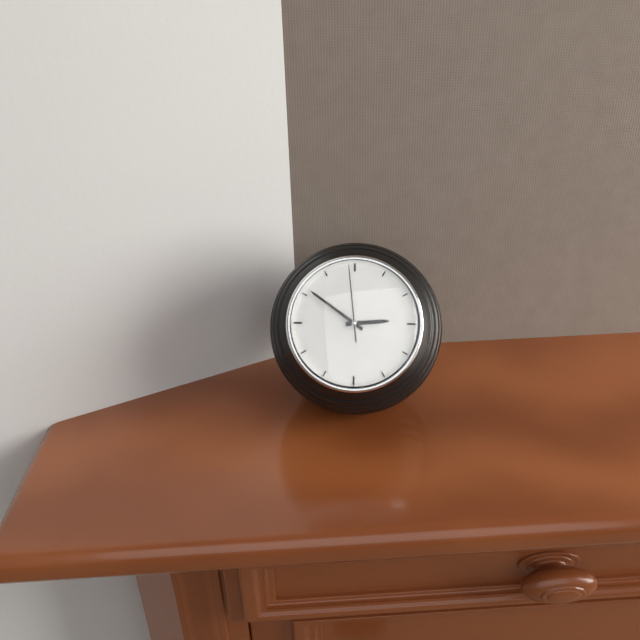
2:51:59
